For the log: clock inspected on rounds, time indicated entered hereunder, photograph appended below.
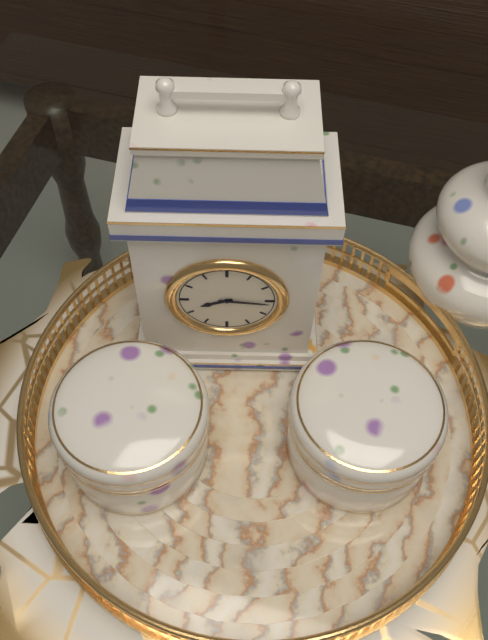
8:16
